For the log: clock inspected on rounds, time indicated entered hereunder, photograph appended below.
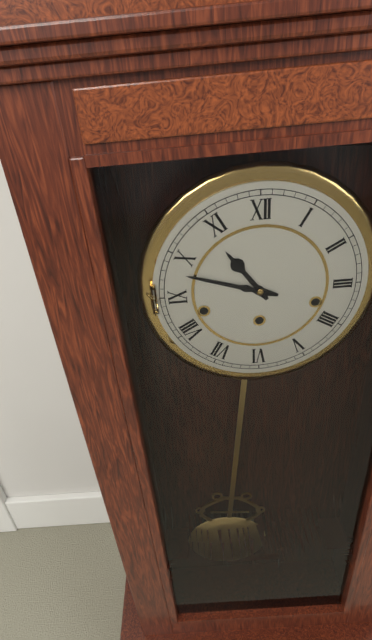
10:48
